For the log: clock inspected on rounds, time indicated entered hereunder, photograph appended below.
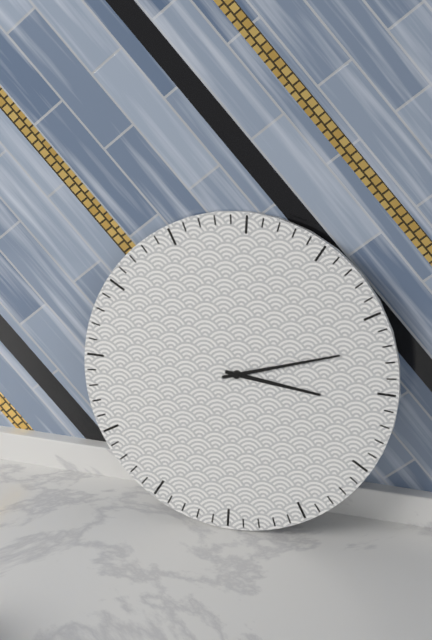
3:12
